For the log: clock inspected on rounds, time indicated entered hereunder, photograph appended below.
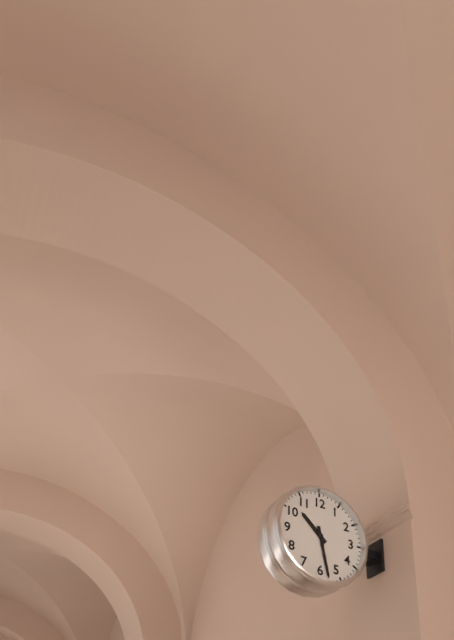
10:28
